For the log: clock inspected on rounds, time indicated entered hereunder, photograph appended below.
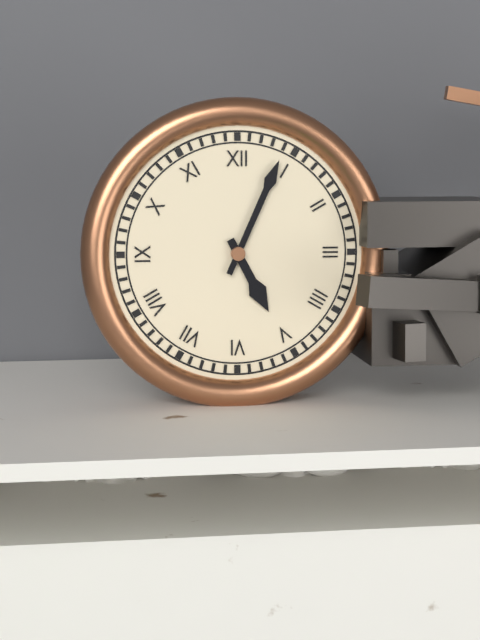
5:04
